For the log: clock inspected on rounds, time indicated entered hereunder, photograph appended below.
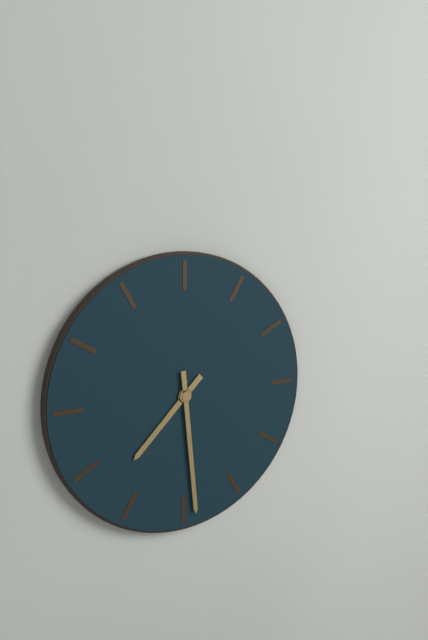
7:29
